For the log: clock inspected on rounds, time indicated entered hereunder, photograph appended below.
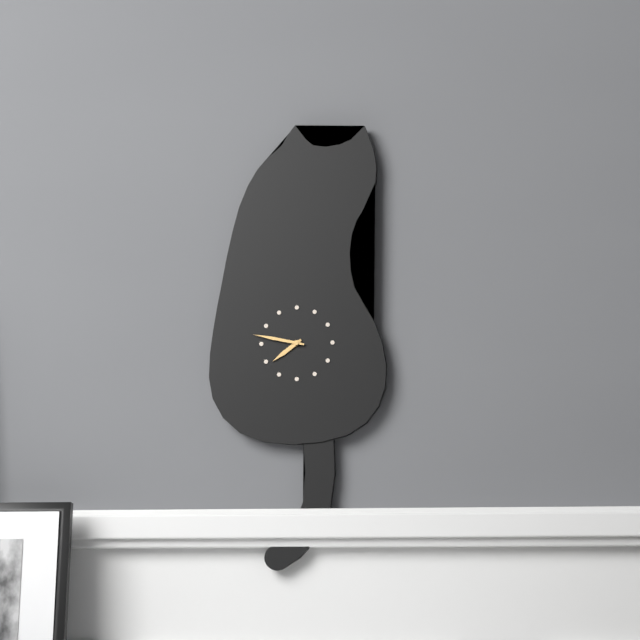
7:47
